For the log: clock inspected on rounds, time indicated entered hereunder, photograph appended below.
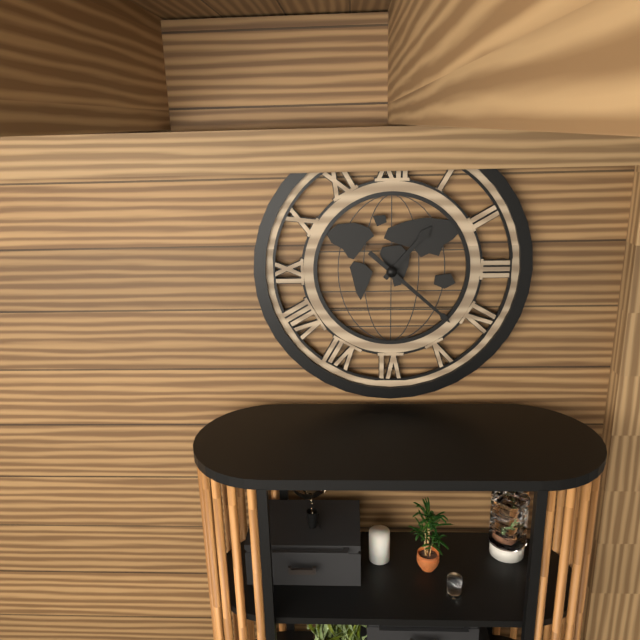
1:22
